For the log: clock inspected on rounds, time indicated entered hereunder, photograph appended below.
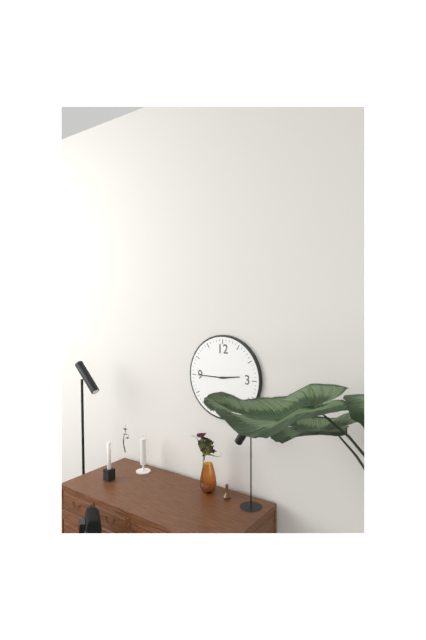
2:45
